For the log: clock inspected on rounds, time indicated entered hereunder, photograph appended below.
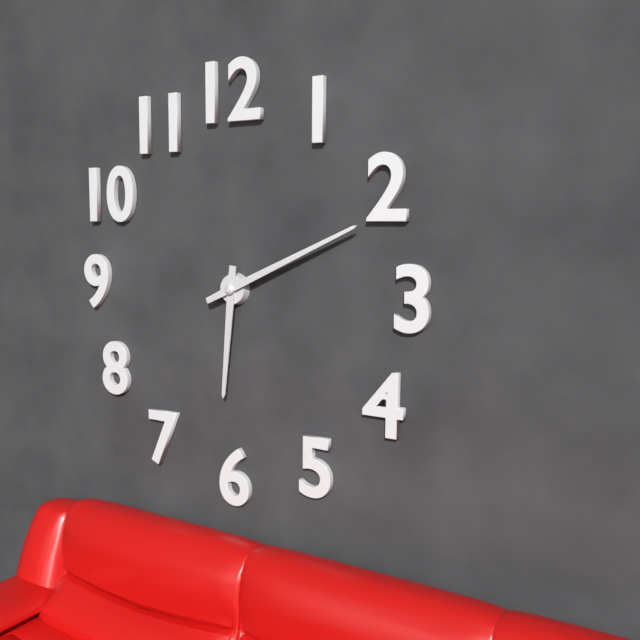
6:11
